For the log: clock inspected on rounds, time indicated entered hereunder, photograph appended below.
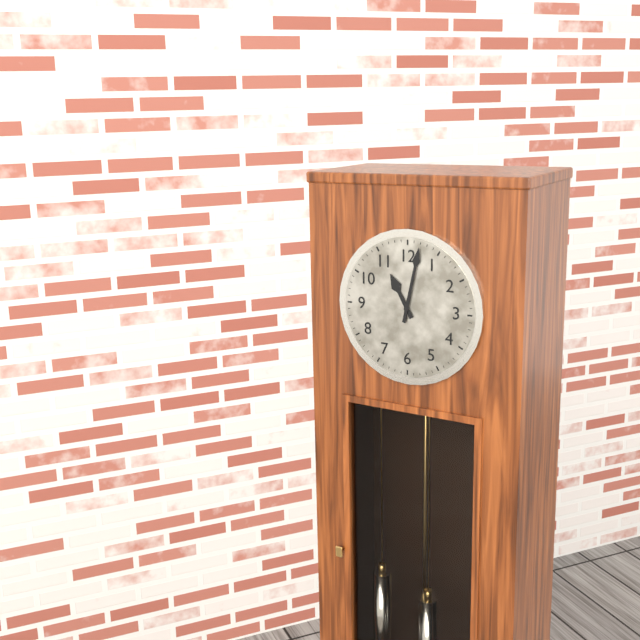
11:02
